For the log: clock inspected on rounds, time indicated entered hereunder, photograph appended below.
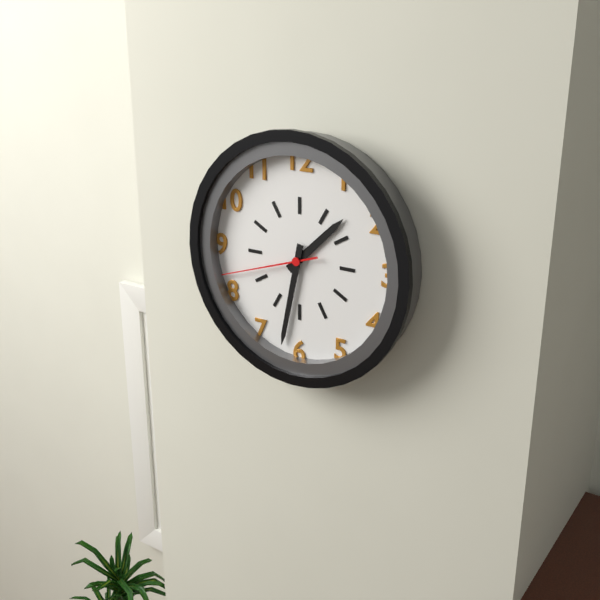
1:32:42
